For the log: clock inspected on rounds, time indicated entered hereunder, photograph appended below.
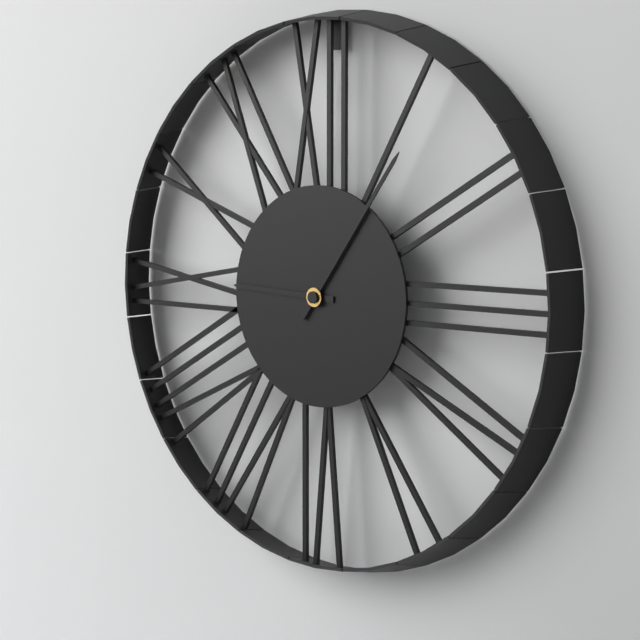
9:06
